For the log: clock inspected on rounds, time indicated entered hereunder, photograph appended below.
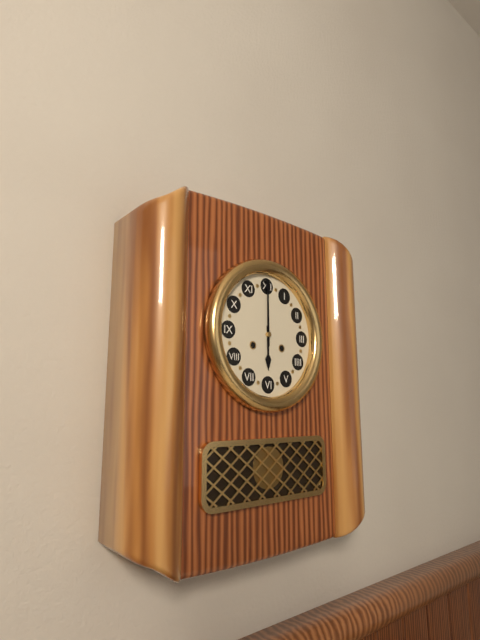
6:00
